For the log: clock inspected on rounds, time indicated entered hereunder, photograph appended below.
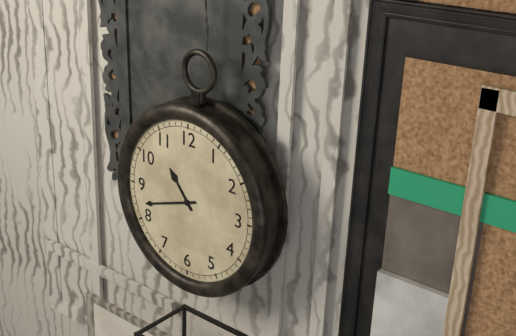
10:42
